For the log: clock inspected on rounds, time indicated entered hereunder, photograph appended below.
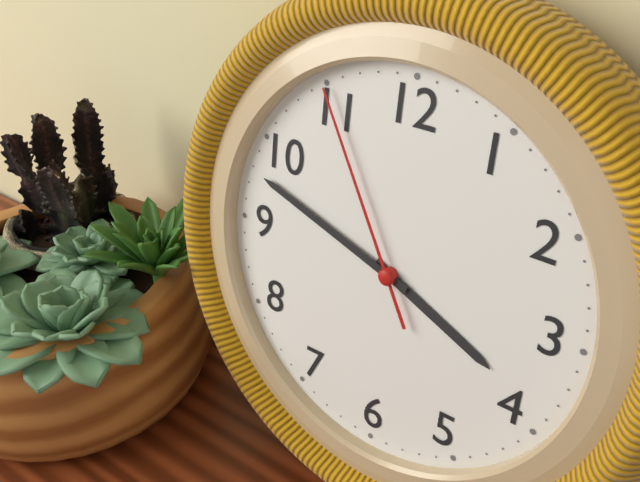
3:48:55
